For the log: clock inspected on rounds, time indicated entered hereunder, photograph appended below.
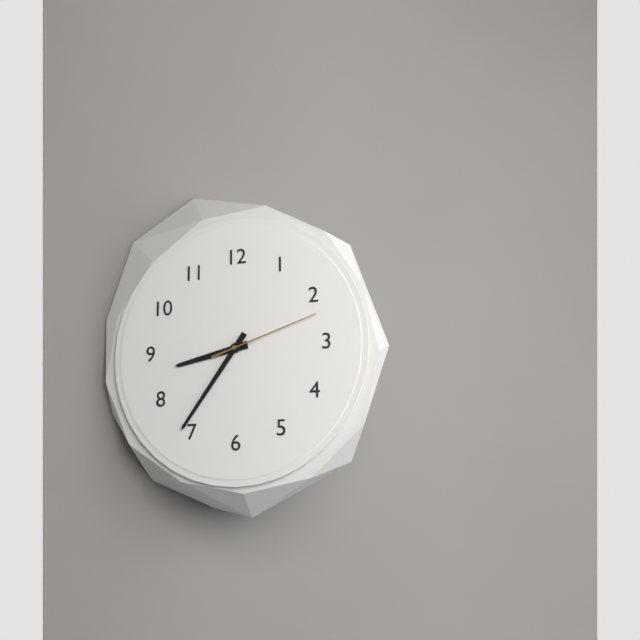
8:36:12
